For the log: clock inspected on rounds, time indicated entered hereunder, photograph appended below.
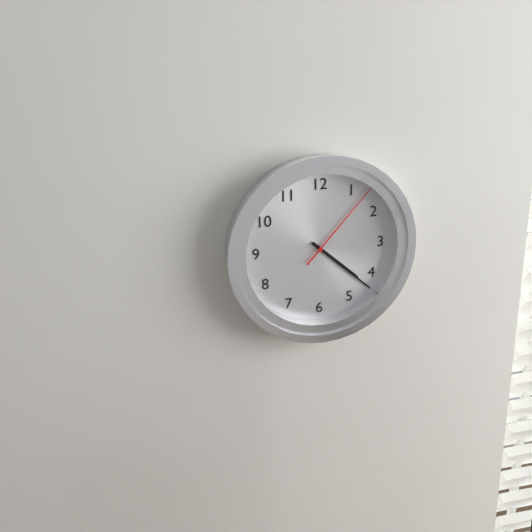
4:22:07
